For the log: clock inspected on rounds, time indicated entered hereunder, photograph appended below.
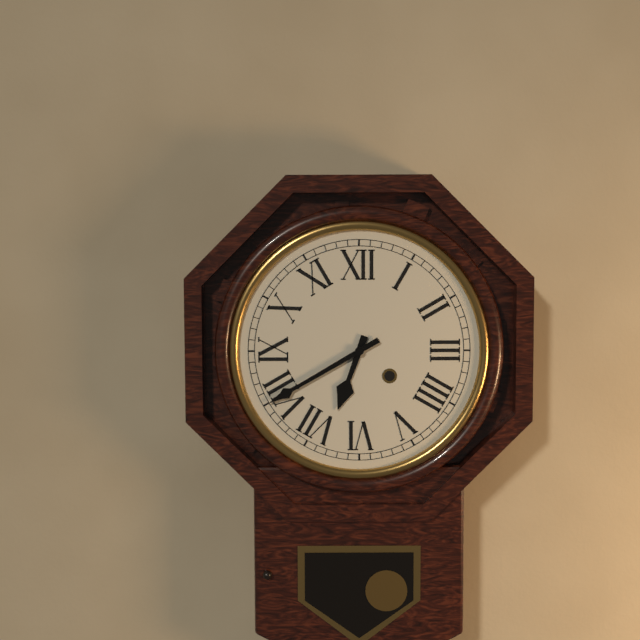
6:40
